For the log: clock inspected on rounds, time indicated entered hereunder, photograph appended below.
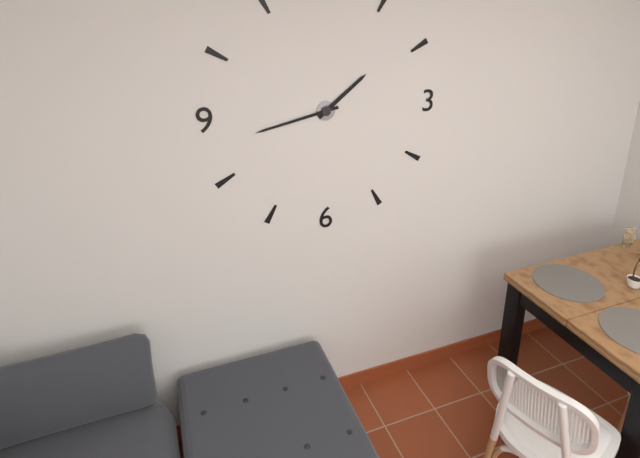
1:43
